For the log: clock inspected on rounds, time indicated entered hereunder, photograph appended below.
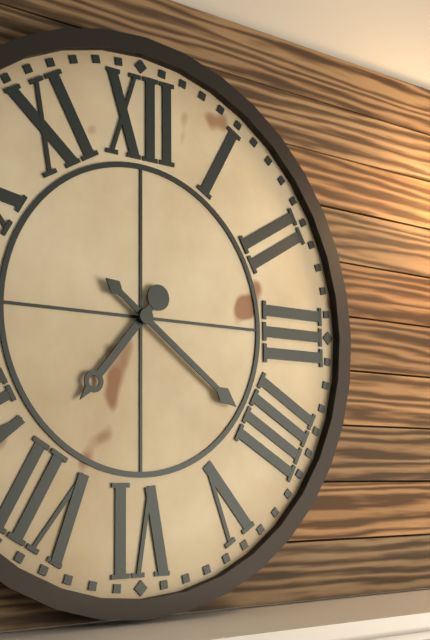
7:21
